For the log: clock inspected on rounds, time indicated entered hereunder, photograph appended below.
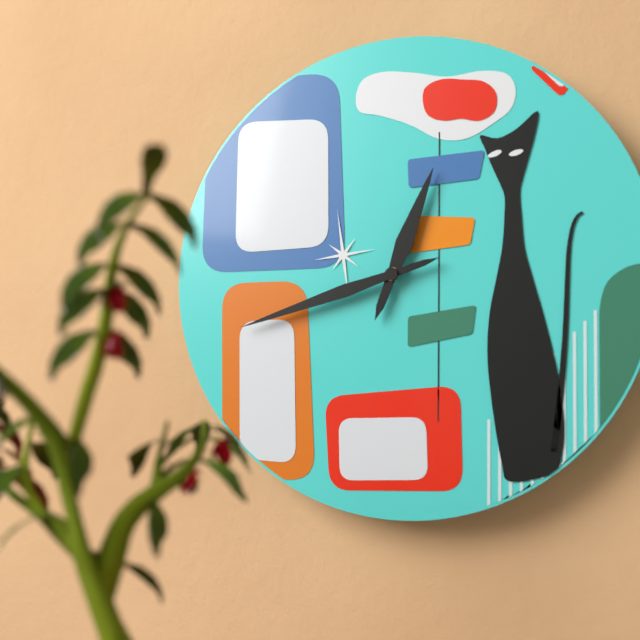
12:42
